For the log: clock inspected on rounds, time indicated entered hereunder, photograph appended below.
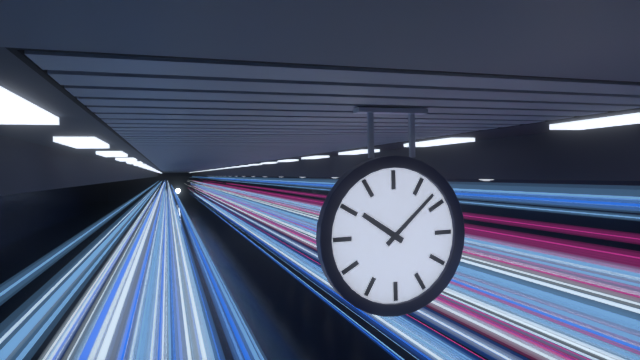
10:08
